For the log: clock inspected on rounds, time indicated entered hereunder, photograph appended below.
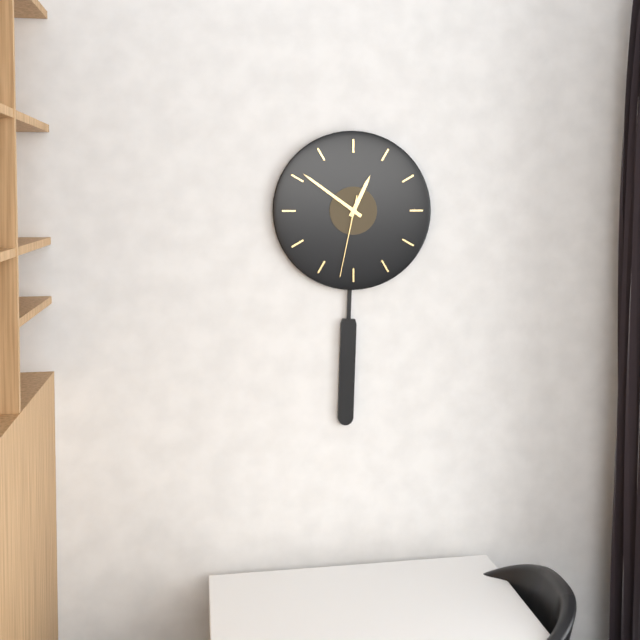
12:51:32
